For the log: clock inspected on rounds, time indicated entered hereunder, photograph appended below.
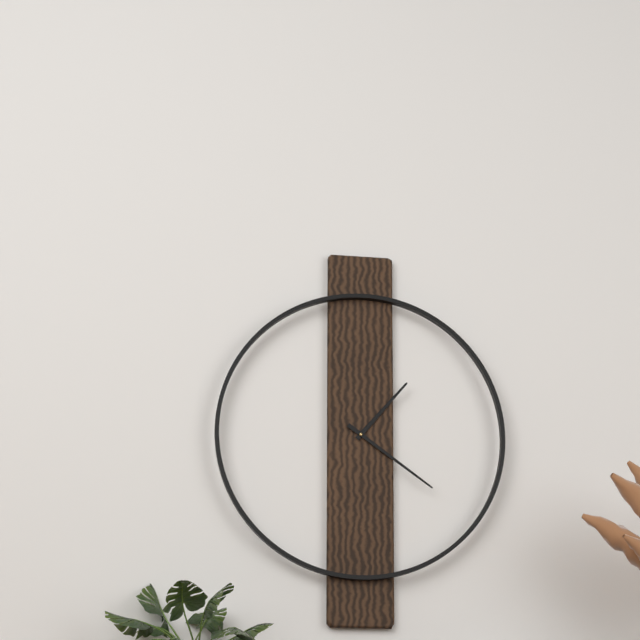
1:21
